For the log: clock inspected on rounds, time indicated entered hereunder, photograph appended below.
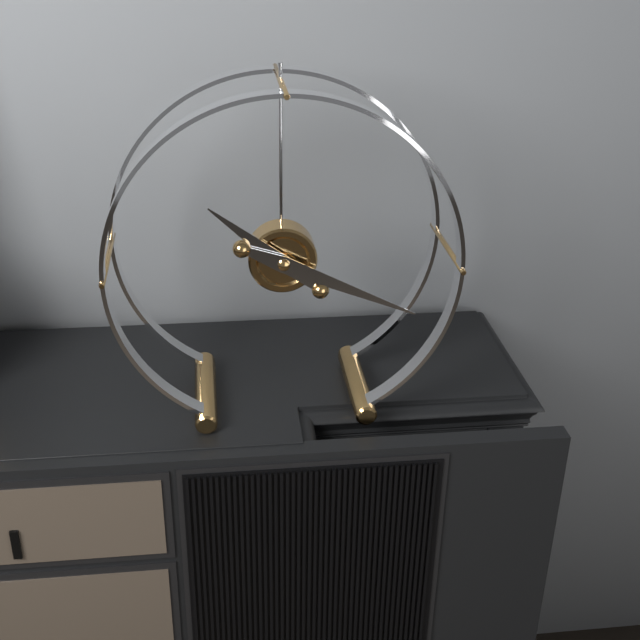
10:19
